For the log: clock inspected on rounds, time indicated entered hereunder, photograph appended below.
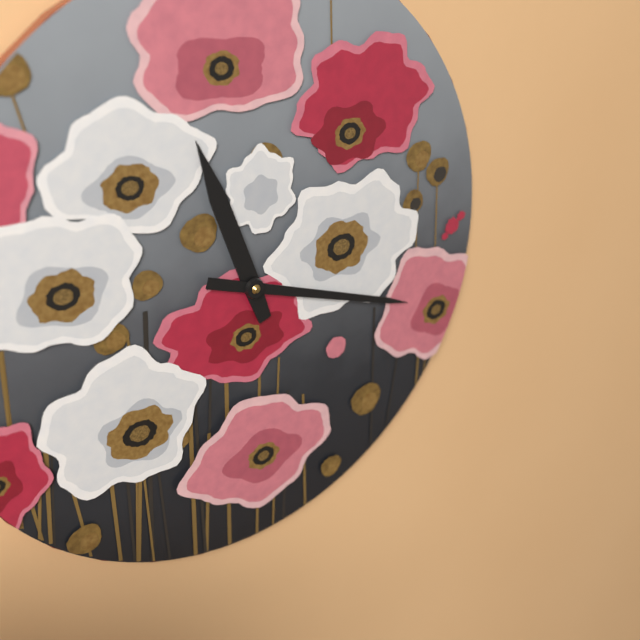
11:18
